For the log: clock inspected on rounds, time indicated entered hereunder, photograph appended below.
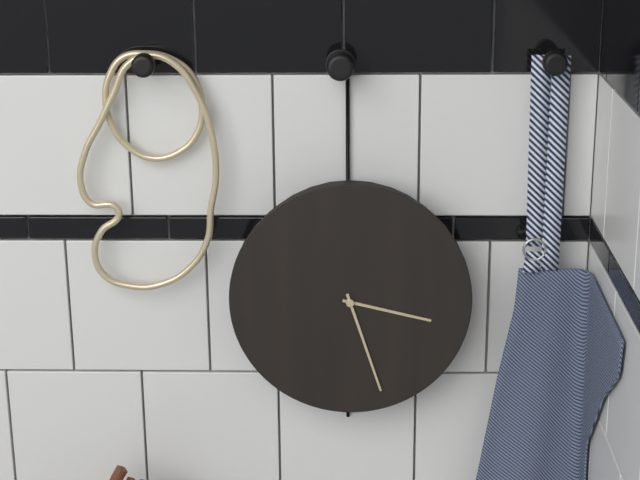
3:27
